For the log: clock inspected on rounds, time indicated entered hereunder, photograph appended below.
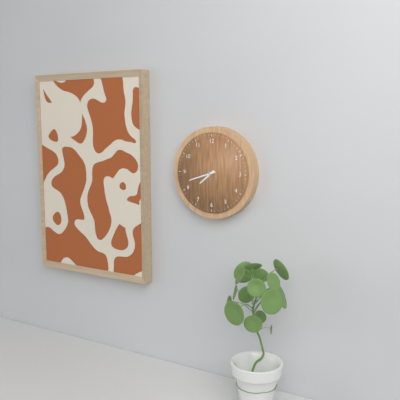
7:42
